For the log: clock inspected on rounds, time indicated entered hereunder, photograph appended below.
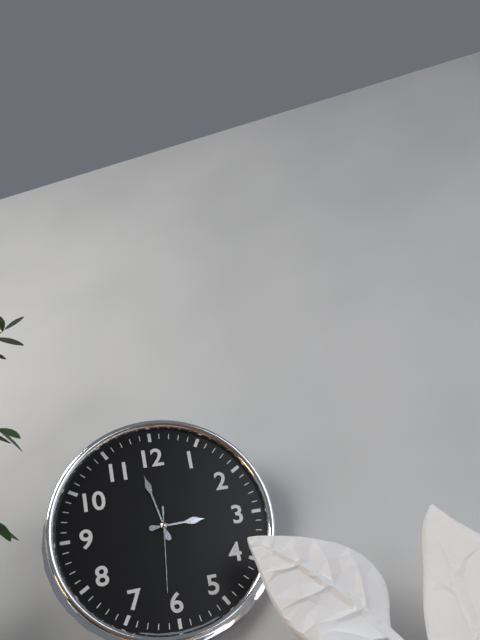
2:58:31
